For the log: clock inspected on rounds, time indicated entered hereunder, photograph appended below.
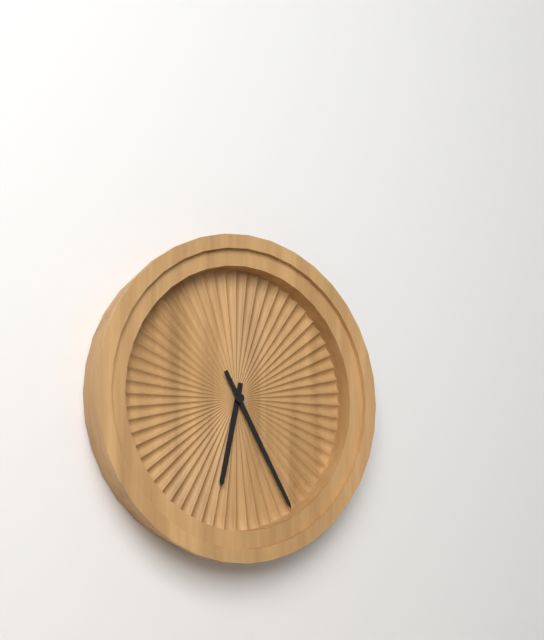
6:25
